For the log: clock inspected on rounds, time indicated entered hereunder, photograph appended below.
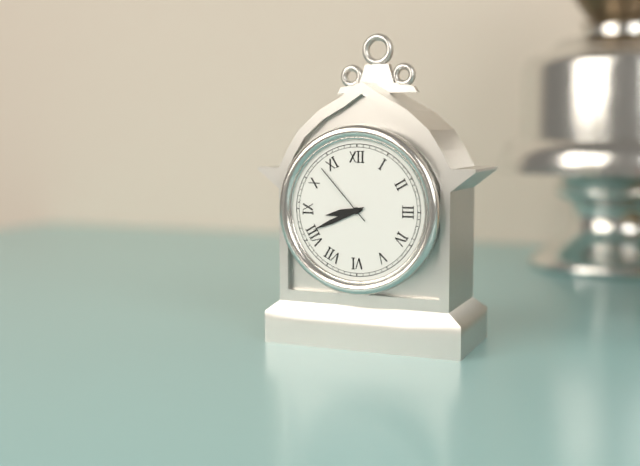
8:41:53
